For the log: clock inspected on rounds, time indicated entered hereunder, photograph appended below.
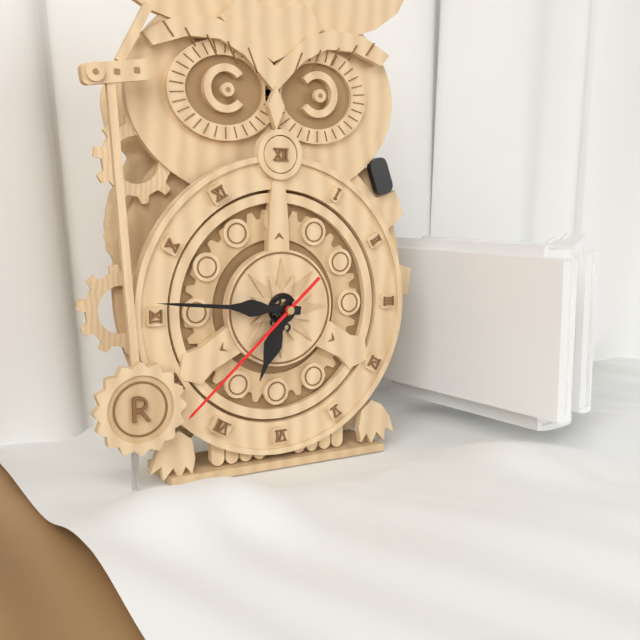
6:46:38
